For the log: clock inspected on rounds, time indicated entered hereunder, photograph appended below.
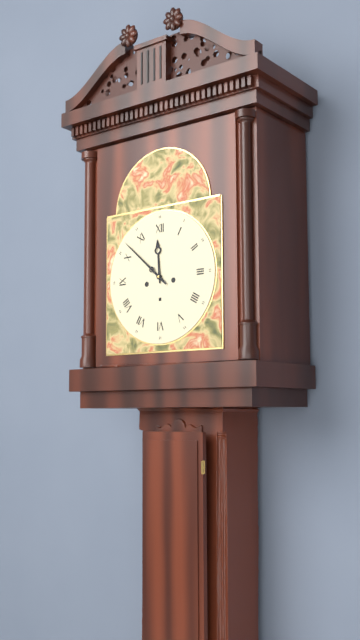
11:52
